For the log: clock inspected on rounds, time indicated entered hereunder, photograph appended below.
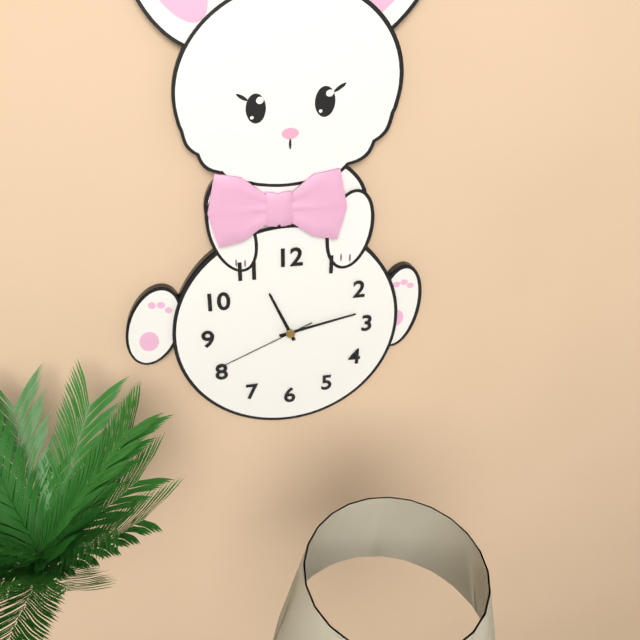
11:13:41
